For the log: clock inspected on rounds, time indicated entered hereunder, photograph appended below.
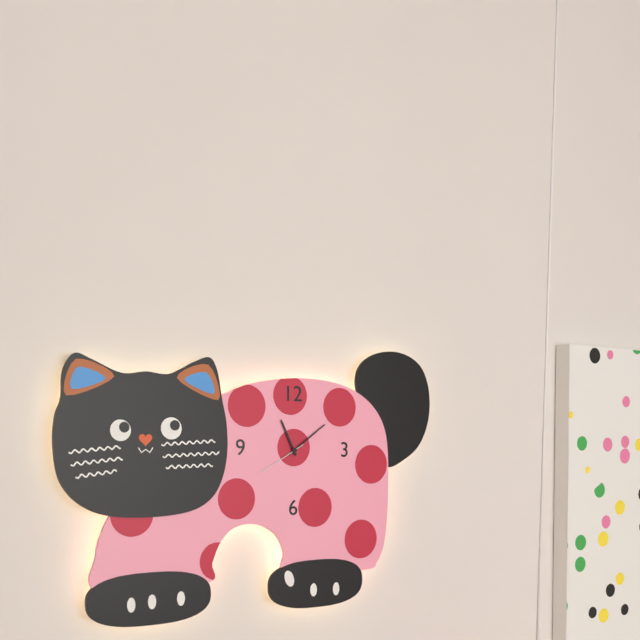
11:09:40
